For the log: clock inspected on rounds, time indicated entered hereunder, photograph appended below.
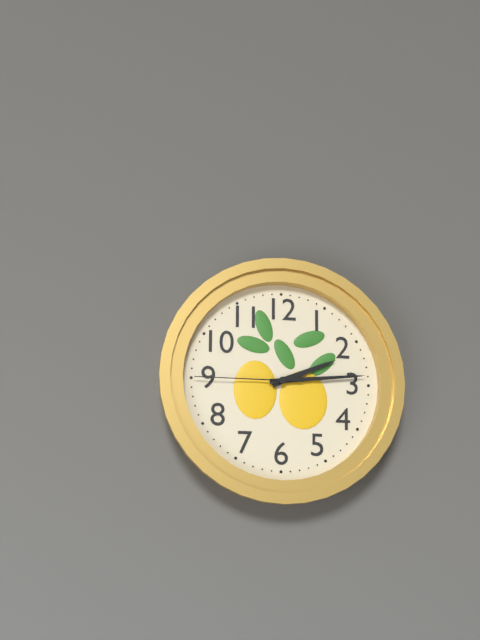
2:14:45
